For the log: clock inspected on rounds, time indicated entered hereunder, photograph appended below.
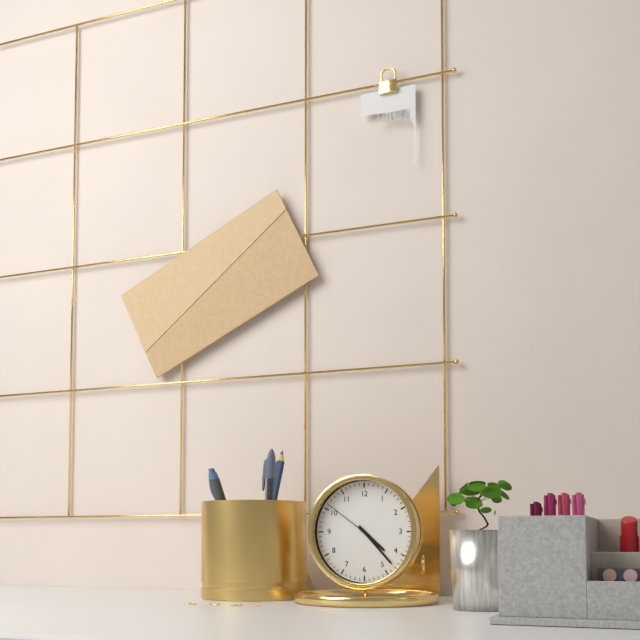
4:23:51
